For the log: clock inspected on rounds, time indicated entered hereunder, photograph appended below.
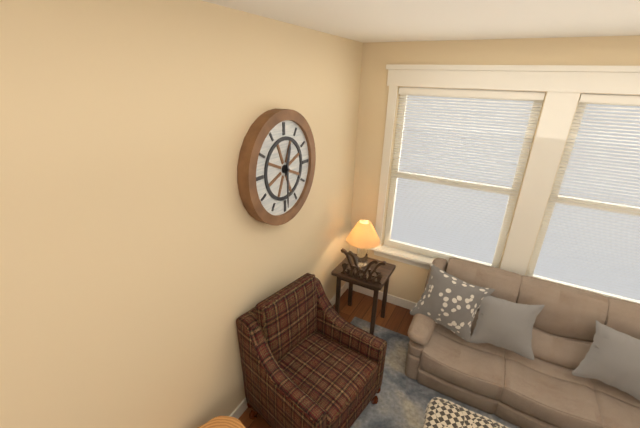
12:30
